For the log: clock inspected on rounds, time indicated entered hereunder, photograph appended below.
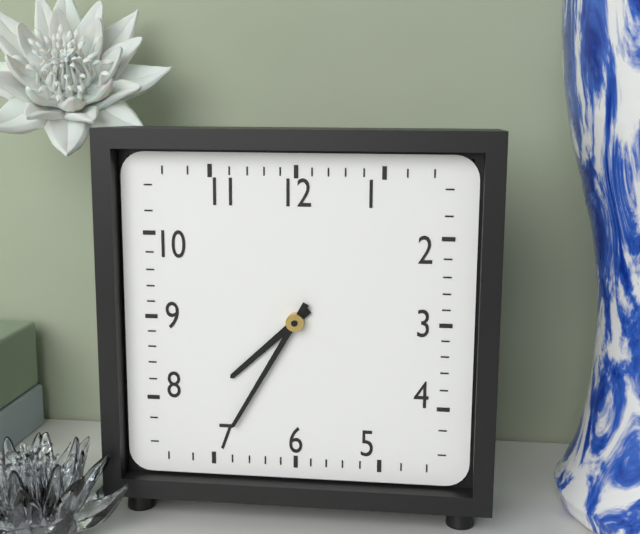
7:35
